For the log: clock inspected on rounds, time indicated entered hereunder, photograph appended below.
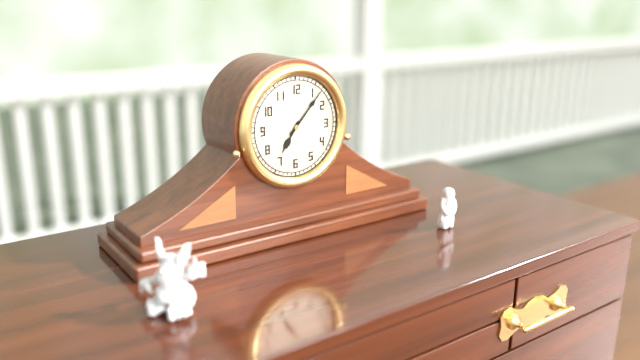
7:07
